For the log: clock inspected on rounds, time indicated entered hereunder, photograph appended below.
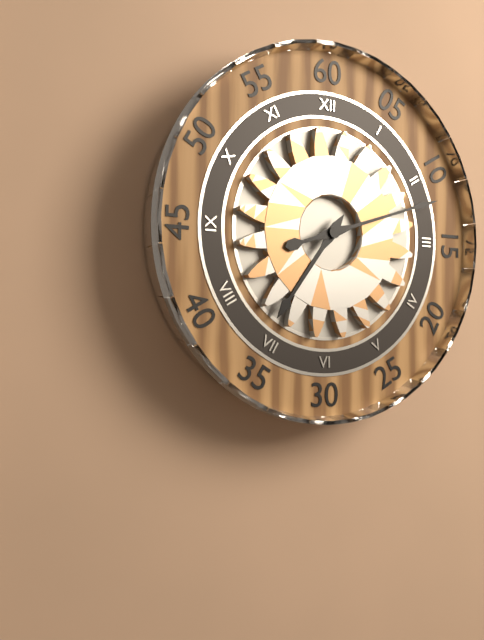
7:12
